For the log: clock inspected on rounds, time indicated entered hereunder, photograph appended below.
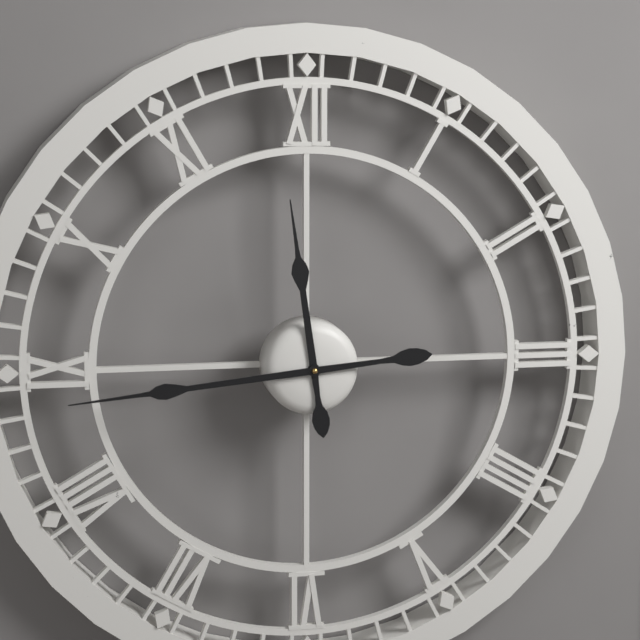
11:44
